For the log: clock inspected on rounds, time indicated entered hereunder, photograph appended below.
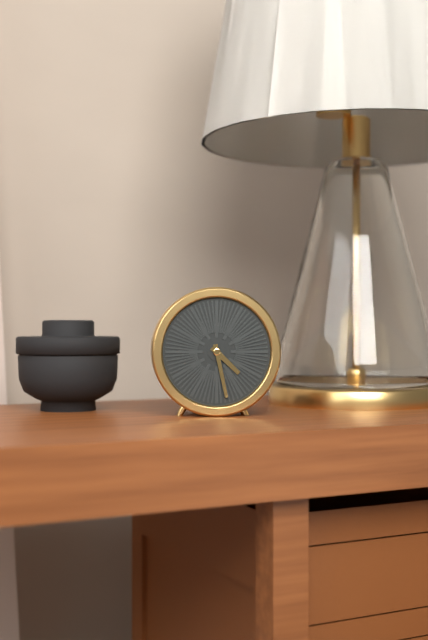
4:28
